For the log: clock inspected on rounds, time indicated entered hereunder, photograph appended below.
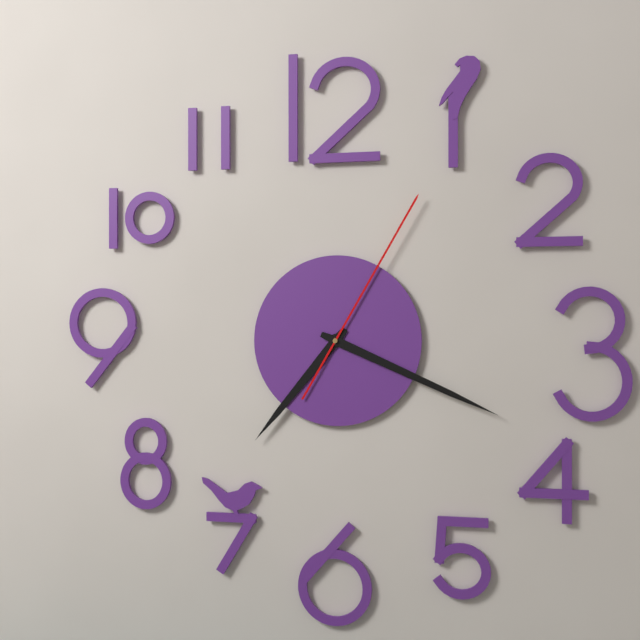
7:19:05
